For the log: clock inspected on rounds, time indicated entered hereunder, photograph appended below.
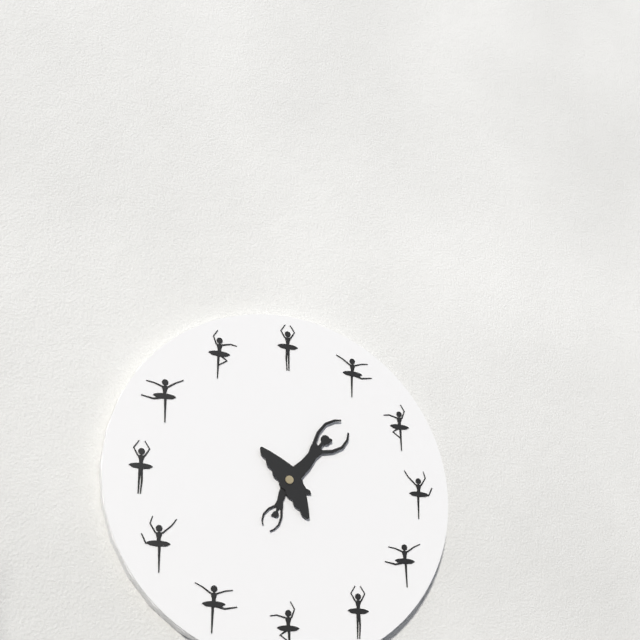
7:09
